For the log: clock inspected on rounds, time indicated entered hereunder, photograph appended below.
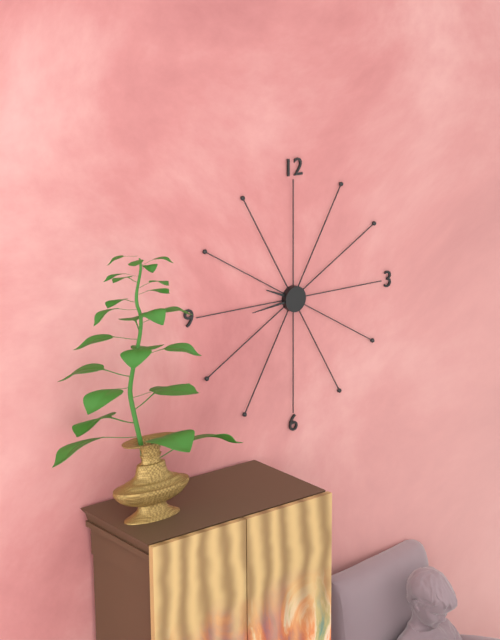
9:44
